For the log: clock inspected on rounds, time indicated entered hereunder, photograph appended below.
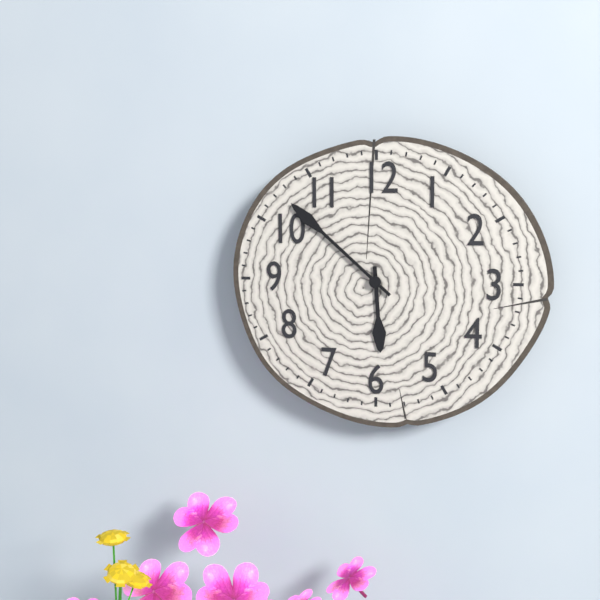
5:52
